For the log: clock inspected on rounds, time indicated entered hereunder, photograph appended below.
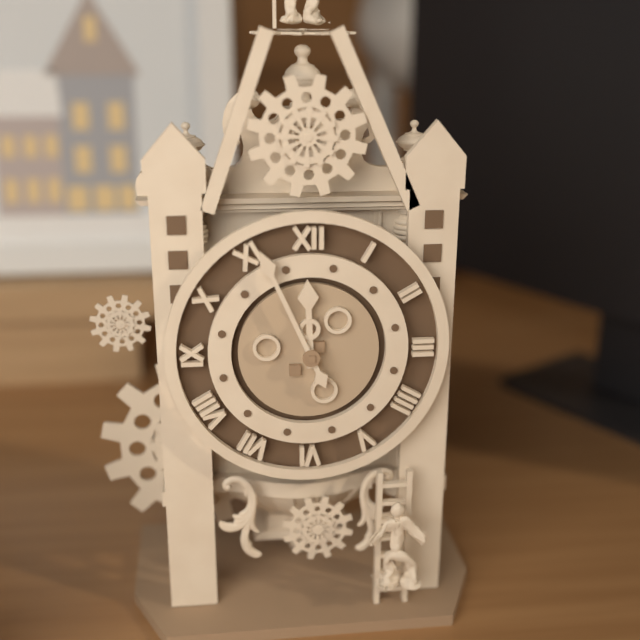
11:56
